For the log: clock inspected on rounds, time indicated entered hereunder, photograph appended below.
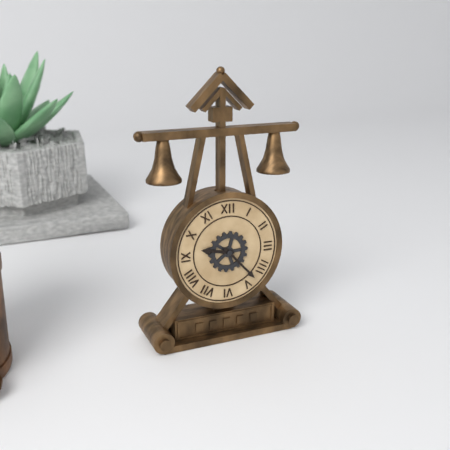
9:23
